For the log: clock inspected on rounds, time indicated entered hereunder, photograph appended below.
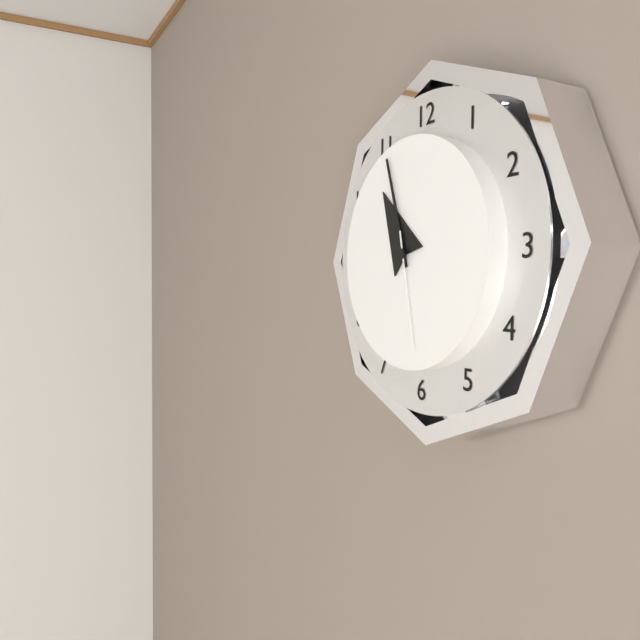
10:57:28
